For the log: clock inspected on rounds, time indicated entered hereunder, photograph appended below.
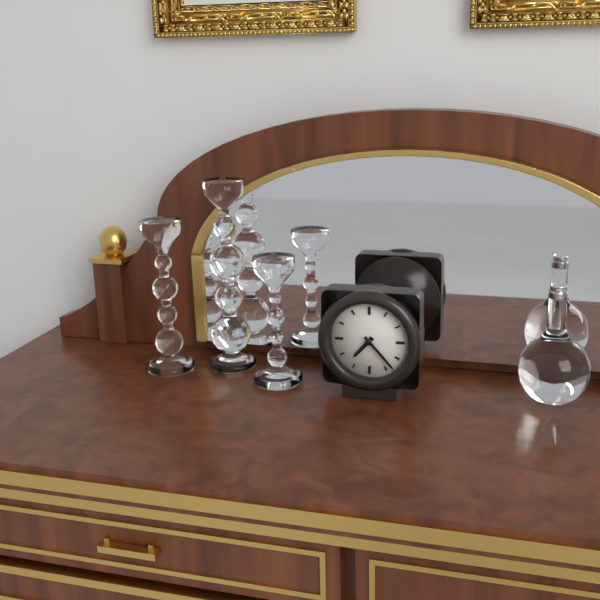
7:23
